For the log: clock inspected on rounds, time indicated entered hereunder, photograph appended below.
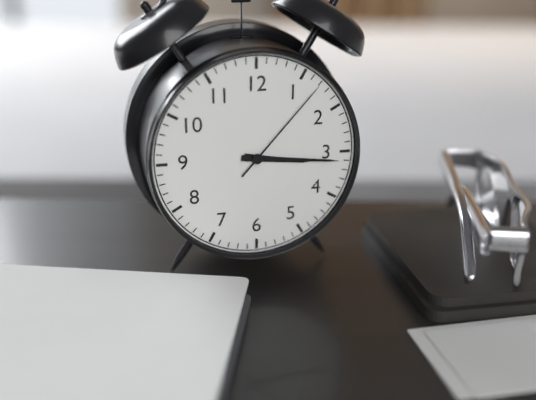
3:16:07
